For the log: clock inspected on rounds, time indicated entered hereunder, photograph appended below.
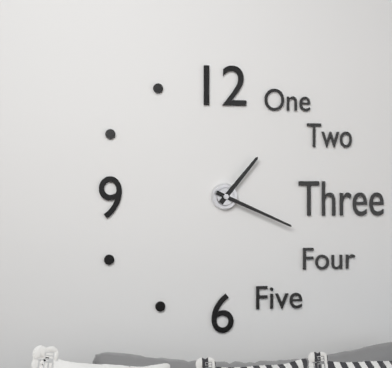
1:19
